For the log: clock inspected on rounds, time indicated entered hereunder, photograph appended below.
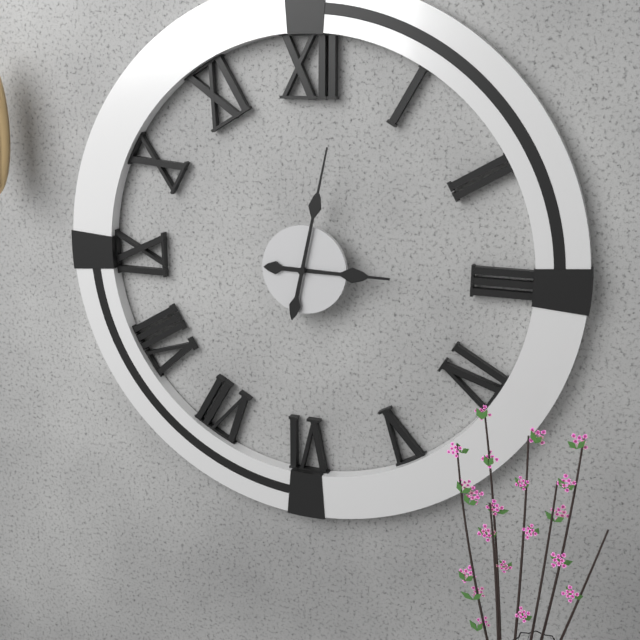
3:02
